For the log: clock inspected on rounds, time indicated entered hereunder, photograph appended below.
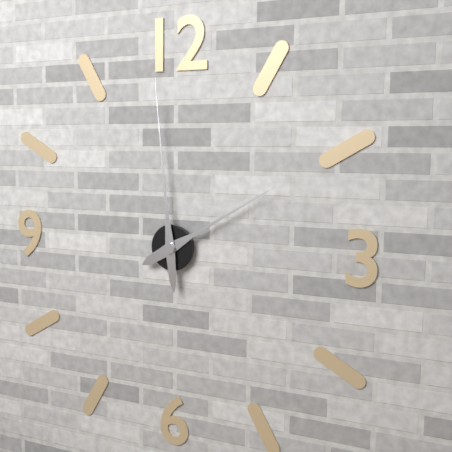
1:59
